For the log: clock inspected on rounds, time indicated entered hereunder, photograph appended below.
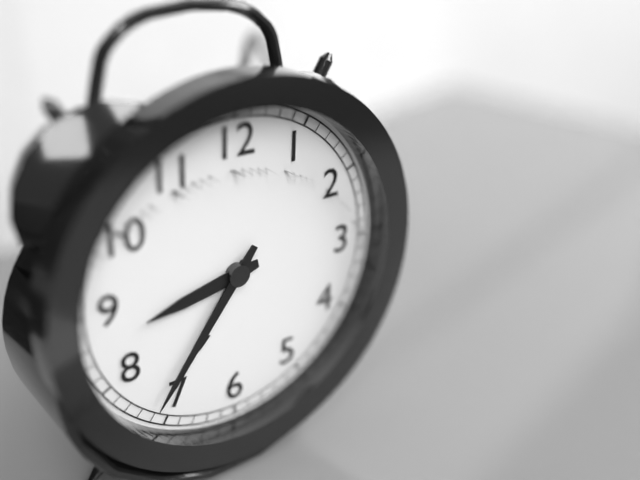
8:36
